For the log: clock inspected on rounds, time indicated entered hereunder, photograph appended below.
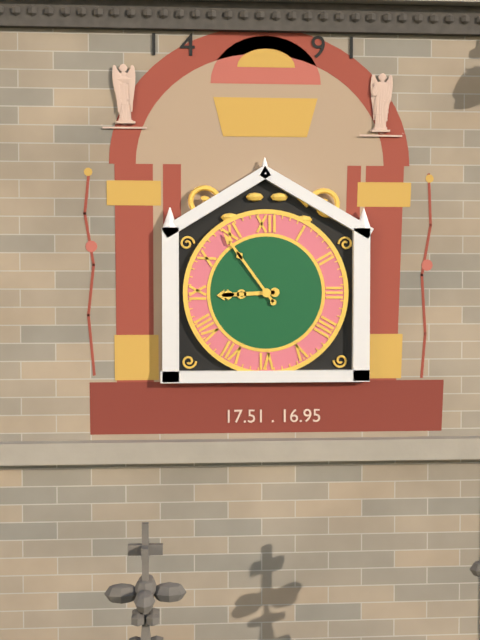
8:54
